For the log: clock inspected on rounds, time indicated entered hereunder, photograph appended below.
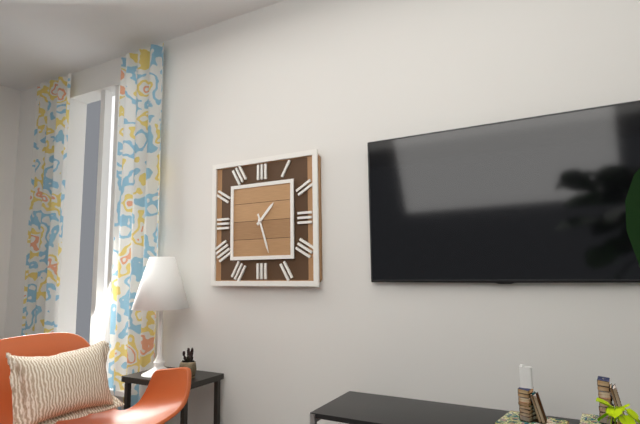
1:27
